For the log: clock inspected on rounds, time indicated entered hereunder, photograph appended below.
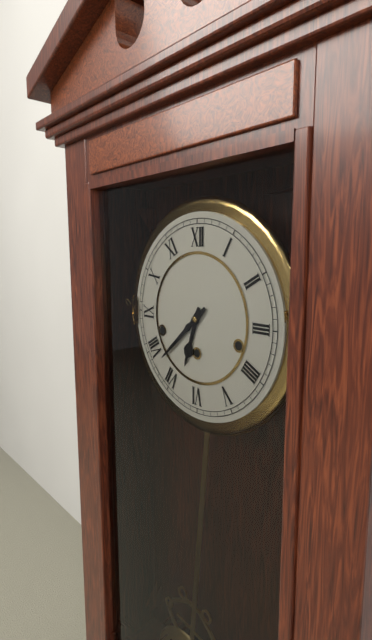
6:38
